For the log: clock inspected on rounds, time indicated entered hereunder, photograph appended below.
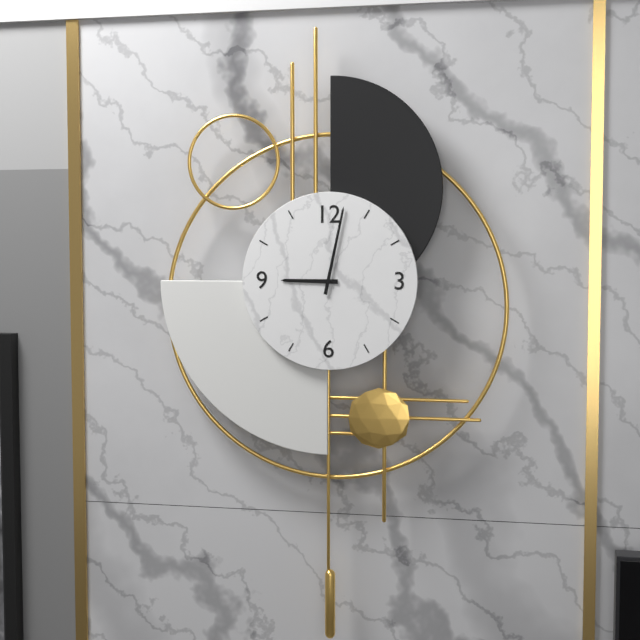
9:02
